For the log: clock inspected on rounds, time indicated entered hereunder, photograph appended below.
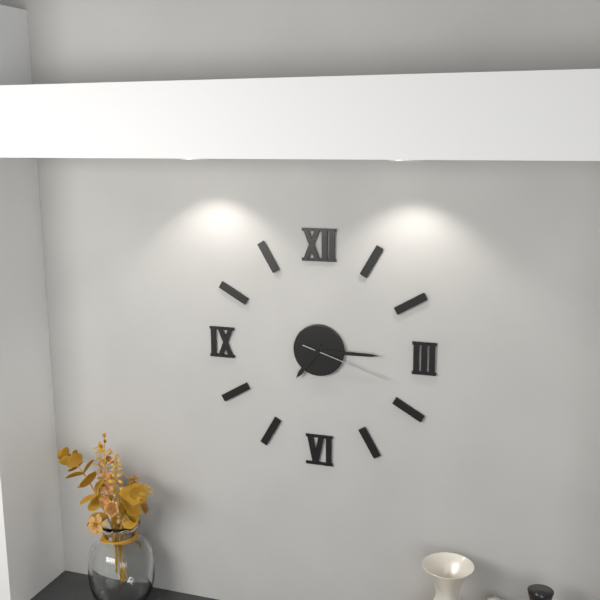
7:15:18
